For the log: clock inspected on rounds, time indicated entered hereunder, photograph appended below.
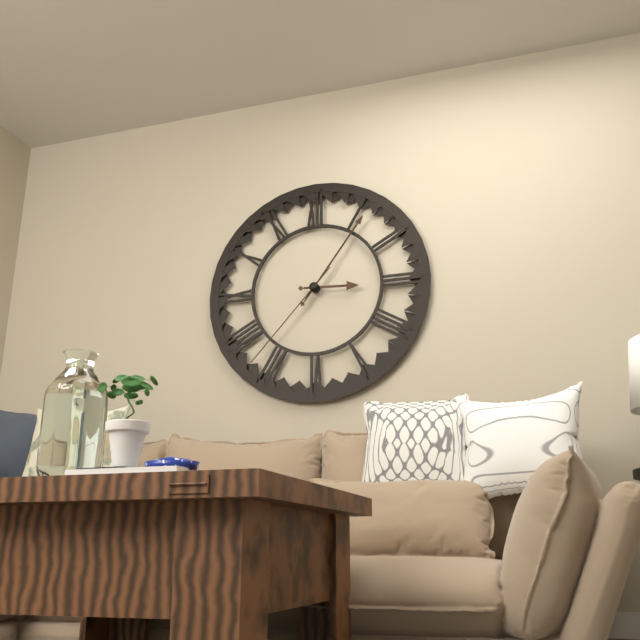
3:06:37
